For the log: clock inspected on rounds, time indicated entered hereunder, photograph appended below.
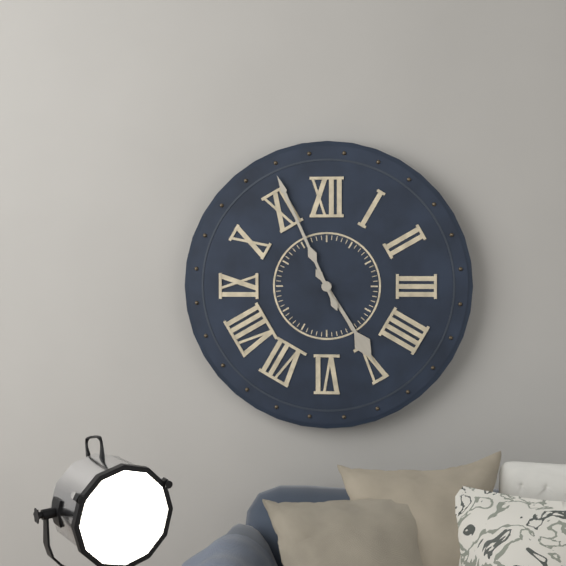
4:56
